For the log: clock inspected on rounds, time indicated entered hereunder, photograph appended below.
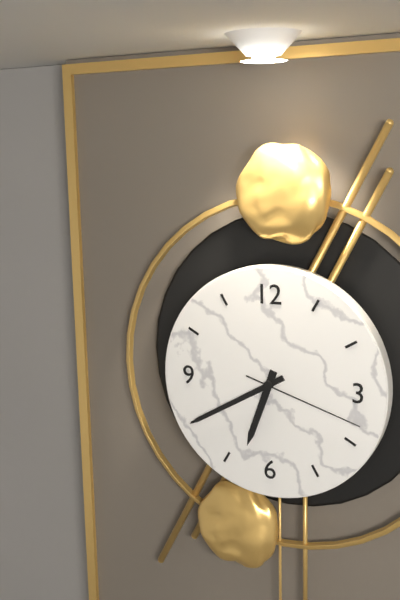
6:40:18
